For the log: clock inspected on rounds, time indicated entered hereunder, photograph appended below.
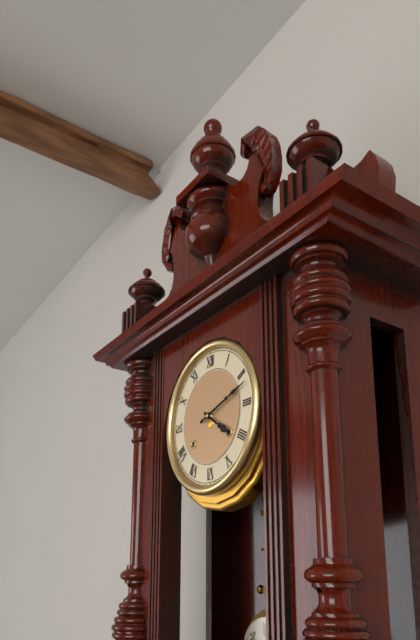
4:12
